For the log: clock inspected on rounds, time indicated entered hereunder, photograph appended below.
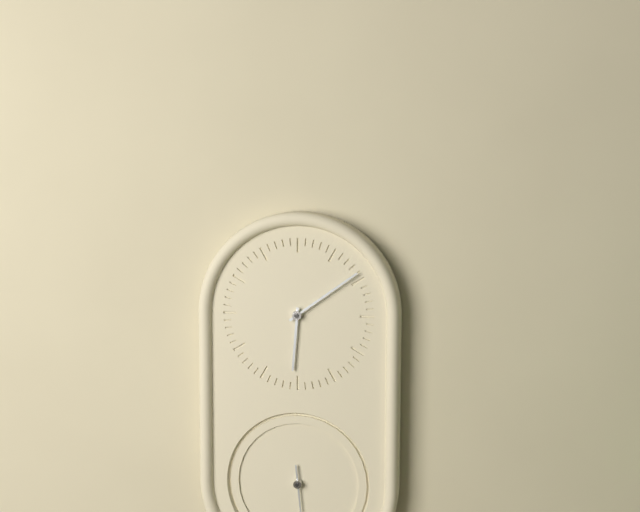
6:09
